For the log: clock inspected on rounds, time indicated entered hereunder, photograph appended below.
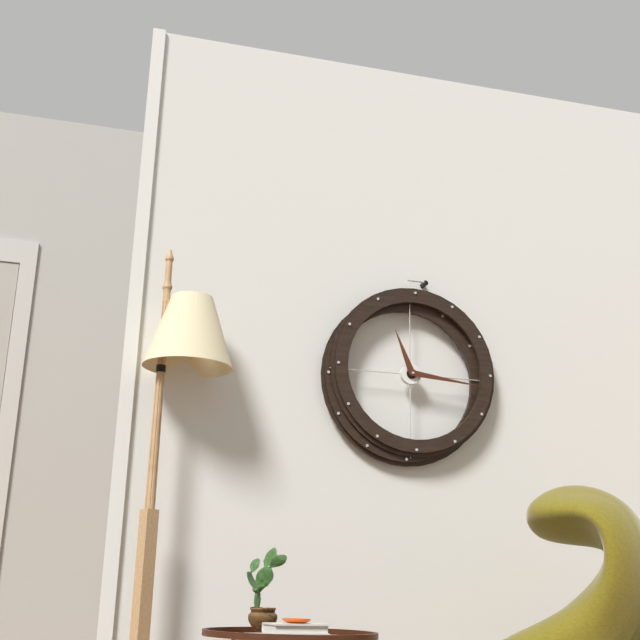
11:16
